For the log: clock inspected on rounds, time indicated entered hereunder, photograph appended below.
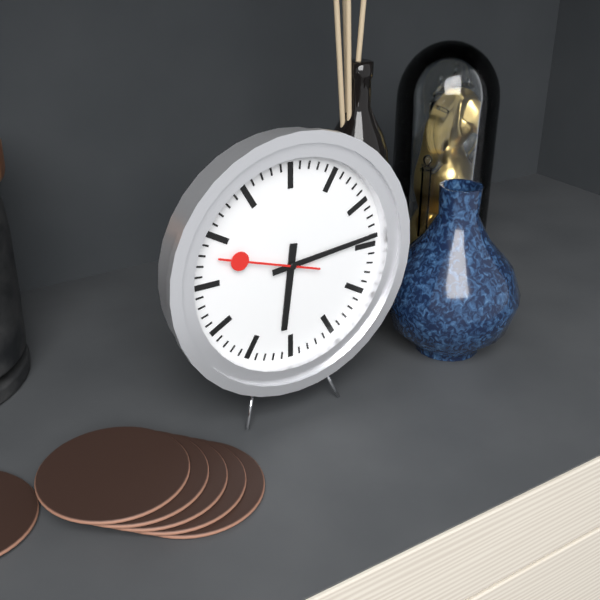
6:14:48
